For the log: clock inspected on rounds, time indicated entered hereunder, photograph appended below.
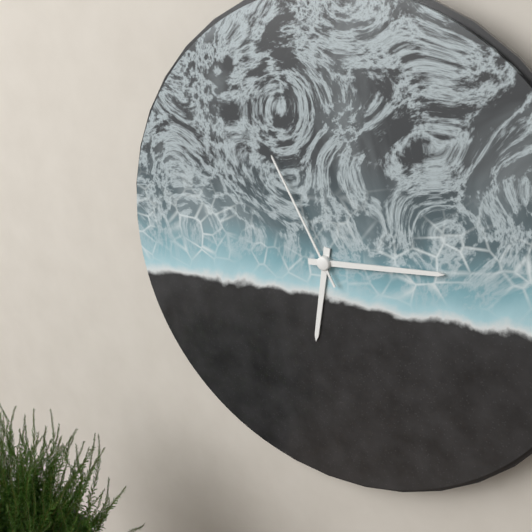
6:14:55
